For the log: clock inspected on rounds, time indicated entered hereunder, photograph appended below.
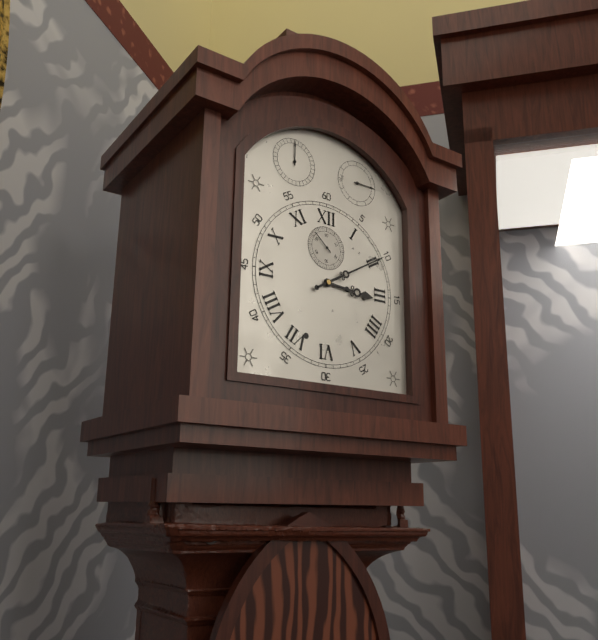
3:10
